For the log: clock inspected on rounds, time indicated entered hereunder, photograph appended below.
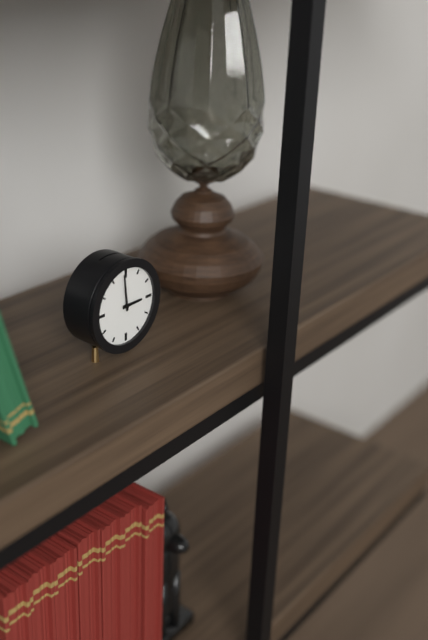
2:59
